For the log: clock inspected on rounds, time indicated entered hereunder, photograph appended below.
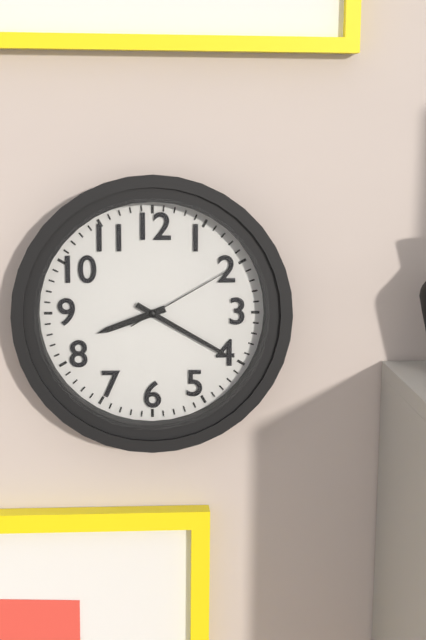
8:20:10
